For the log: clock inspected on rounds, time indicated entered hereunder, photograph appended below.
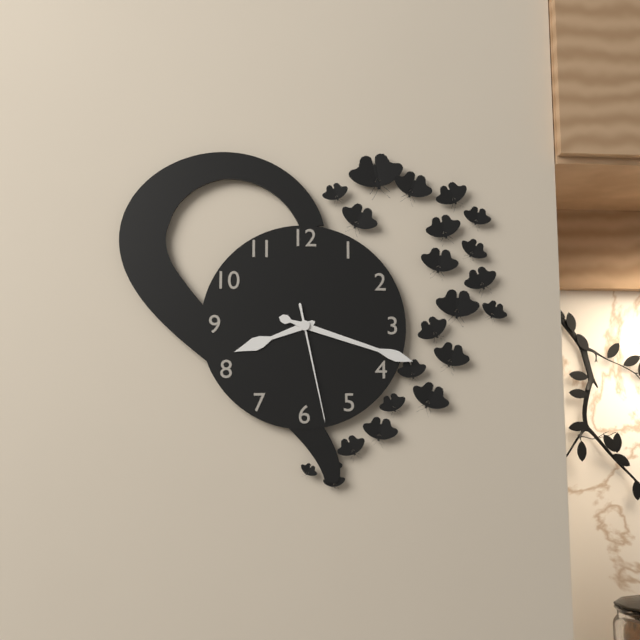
8:18:28
